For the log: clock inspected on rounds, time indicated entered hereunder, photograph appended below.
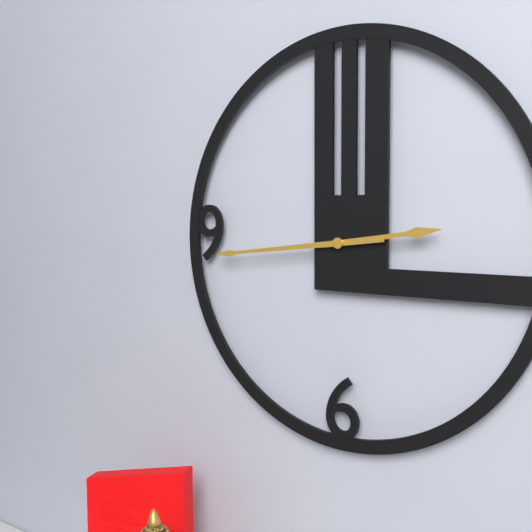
2:44
